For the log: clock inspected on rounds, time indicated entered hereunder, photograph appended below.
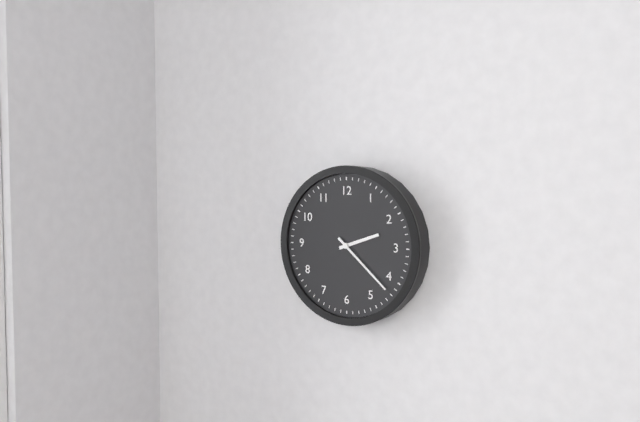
2:22
